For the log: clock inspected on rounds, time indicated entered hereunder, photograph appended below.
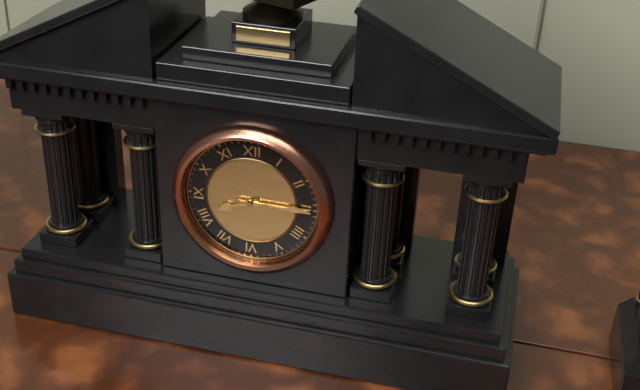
8:15
